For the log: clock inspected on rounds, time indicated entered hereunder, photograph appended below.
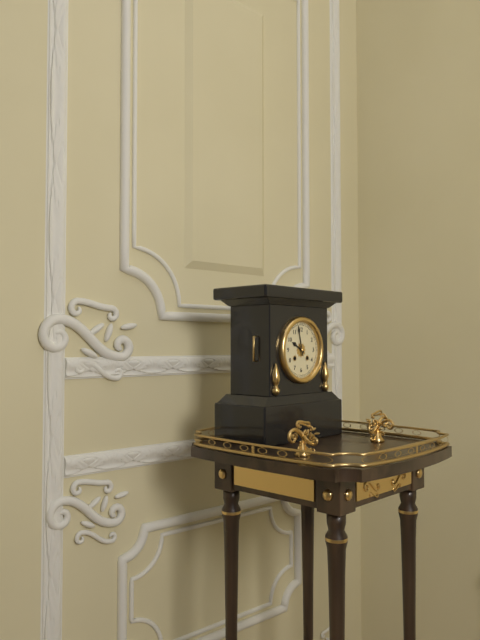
9:58
